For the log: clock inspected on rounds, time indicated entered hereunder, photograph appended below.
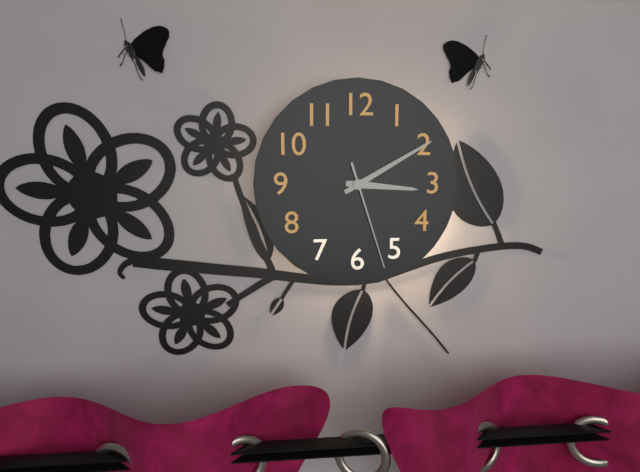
3:10:27
